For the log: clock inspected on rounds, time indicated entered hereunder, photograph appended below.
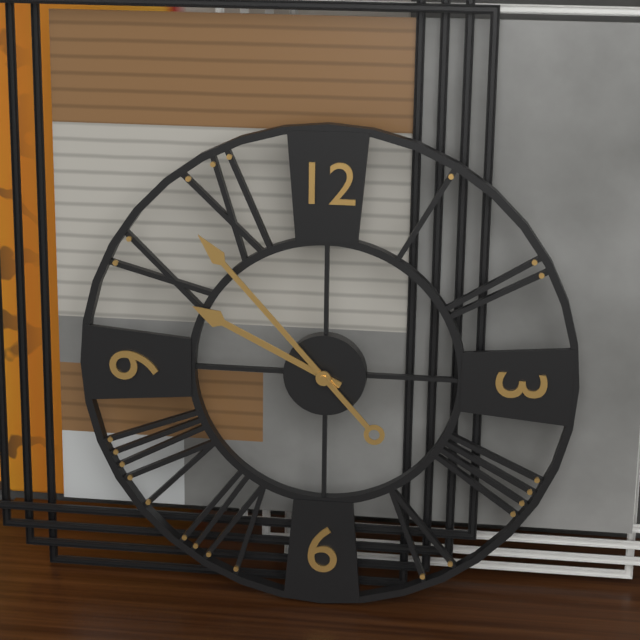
9:53
